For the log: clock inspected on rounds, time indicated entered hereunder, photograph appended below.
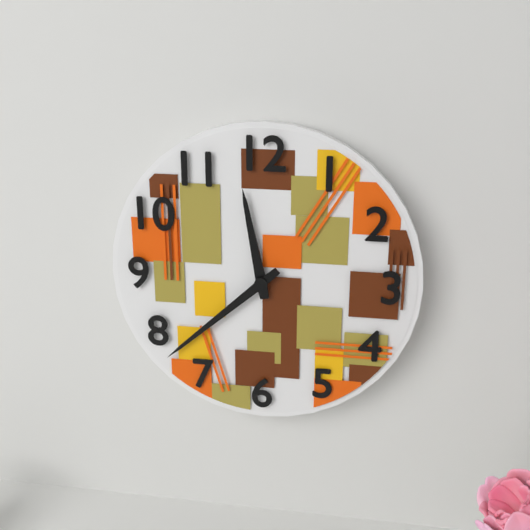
11:38
